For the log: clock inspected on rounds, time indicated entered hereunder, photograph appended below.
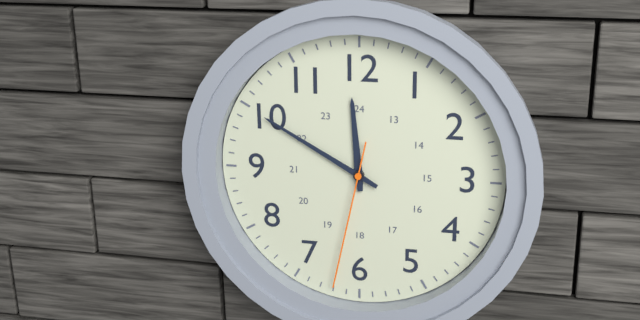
11:50:32
